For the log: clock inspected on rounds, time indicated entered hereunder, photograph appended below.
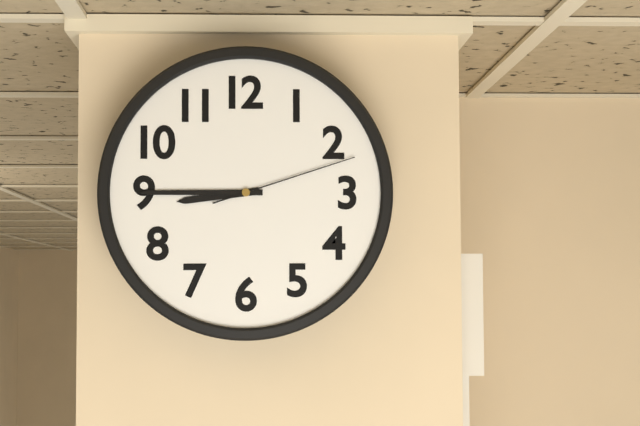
8:45:12
